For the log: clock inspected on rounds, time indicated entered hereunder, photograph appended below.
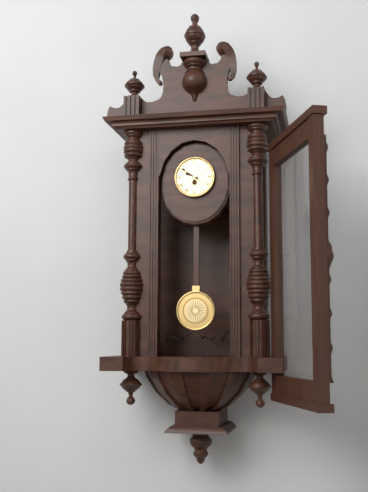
9:51
